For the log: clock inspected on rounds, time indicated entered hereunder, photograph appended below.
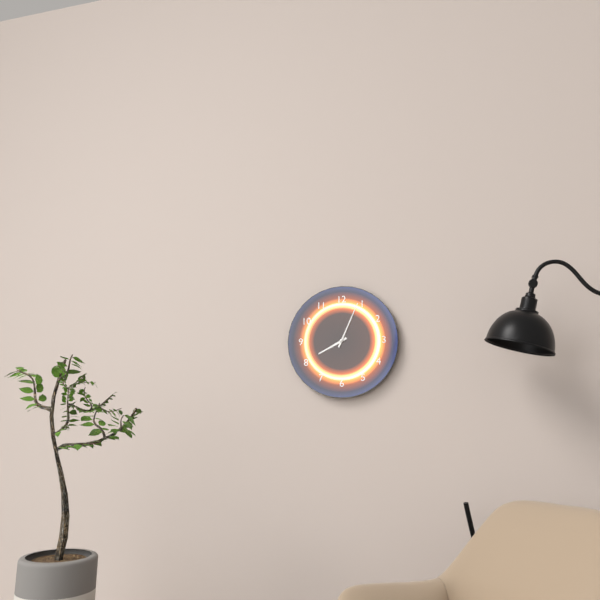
8:04
